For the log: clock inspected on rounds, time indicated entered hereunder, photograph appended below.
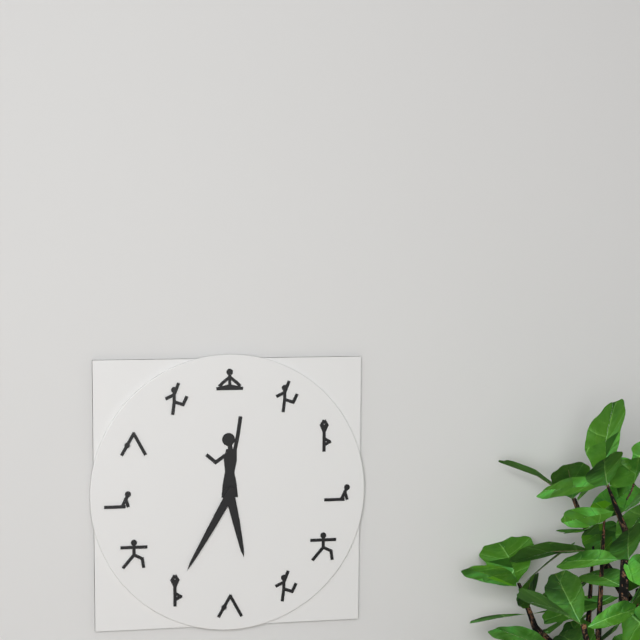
5:35
